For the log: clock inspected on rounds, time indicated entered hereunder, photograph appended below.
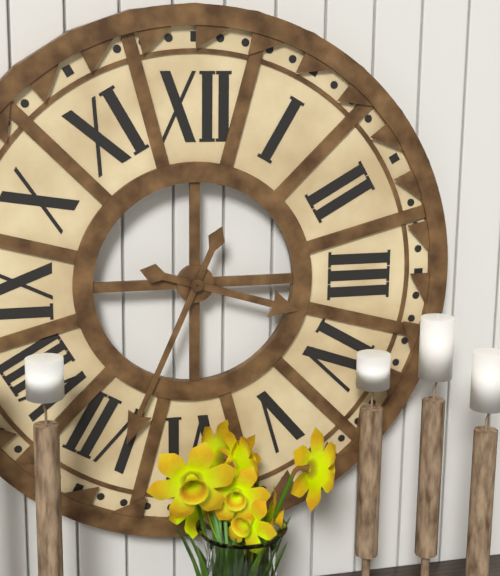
3:34
